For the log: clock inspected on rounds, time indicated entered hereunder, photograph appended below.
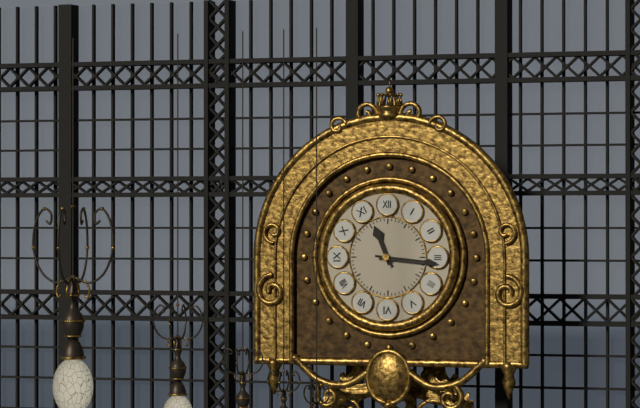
11:16
